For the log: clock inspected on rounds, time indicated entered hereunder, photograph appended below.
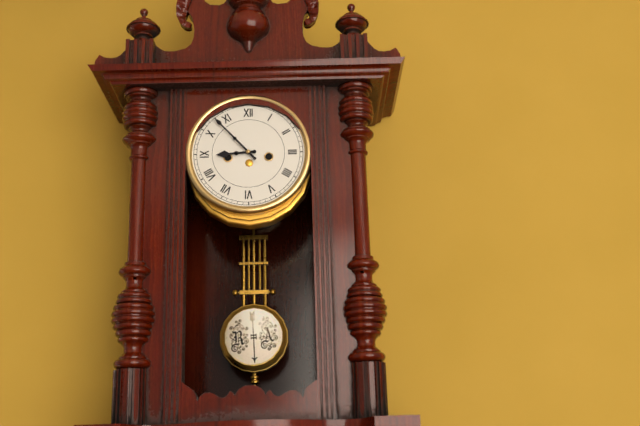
8:53
